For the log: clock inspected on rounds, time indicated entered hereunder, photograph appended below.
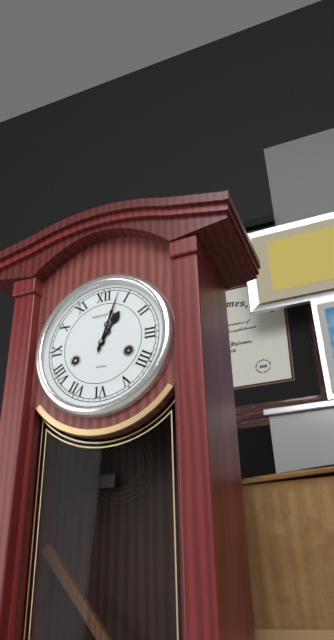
1:03
